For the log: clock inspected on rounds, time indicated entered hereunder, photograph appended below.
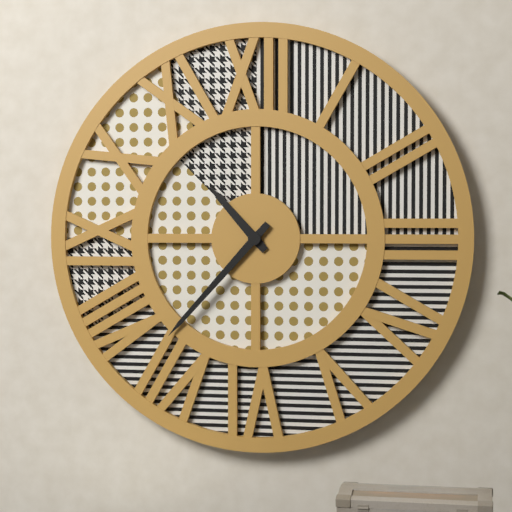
10:37
